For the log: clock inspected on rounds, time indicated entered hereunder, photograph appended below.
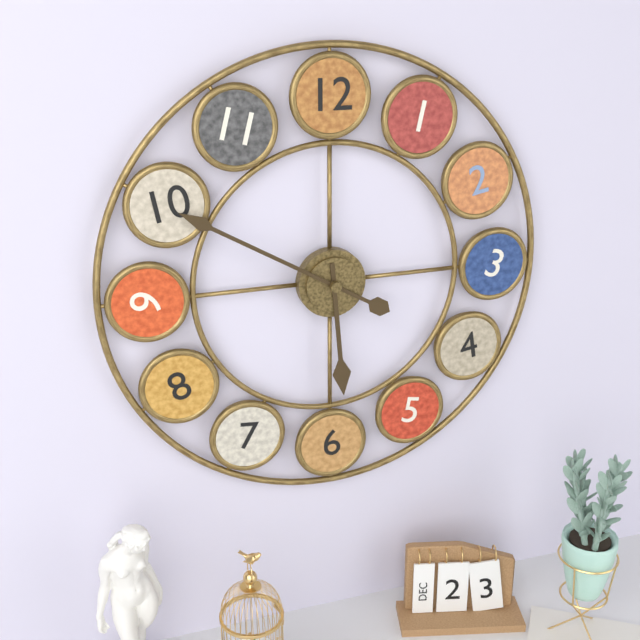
5:50
